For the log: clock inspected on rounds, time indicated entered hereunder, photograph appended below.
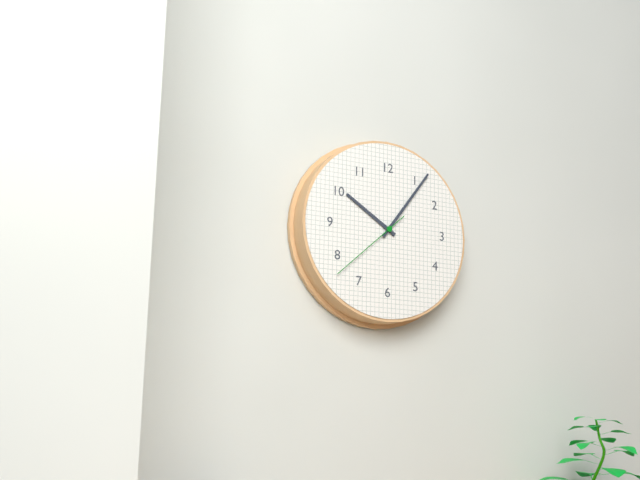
10:06:38
